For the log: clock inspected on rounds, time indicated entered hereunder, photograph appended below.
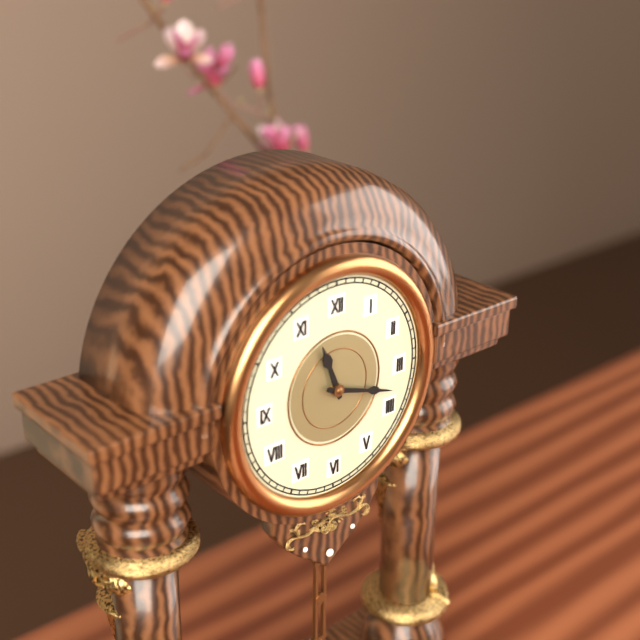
11:18
